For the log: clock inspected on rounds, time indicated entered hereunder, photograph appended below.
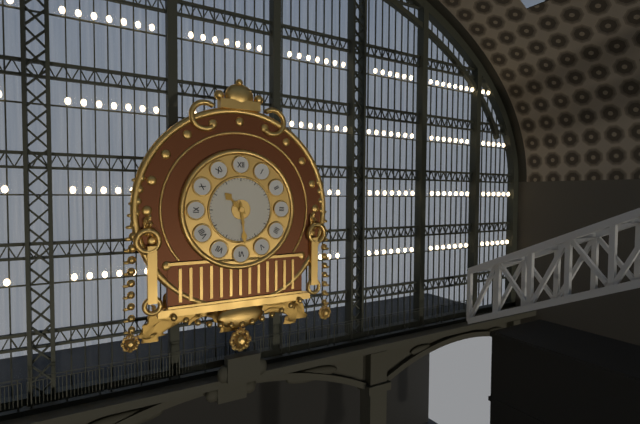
10:29
